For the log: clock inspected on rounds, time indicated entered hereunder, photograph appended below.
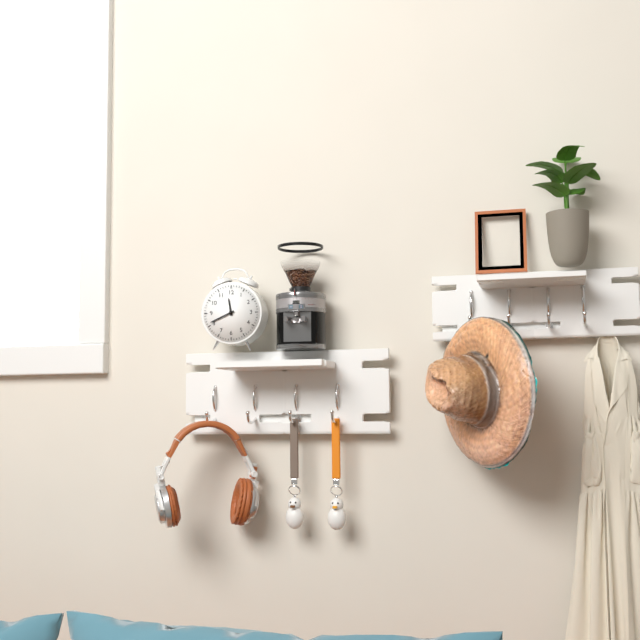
11:41
